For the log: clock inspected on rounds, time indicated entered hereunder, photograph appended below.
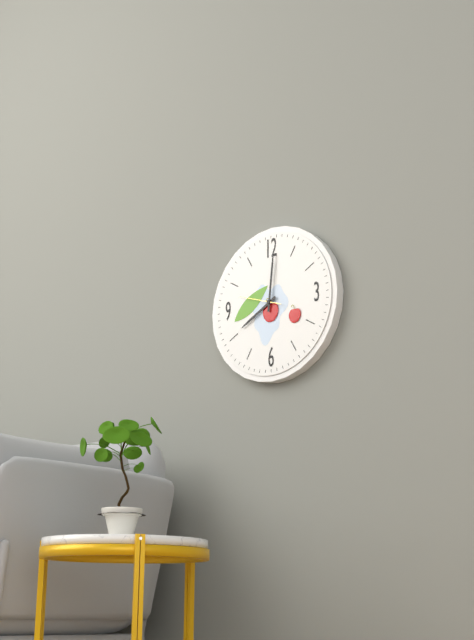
8:01
